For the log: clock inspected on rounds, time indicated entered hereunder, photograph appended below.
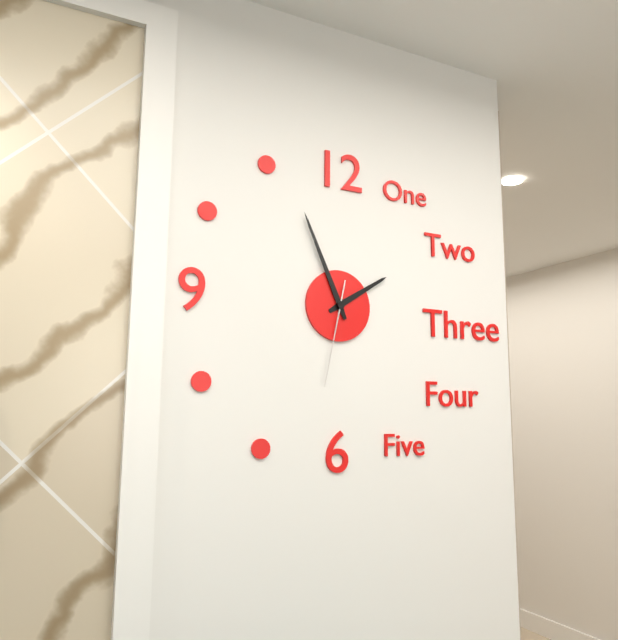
1:56:32
